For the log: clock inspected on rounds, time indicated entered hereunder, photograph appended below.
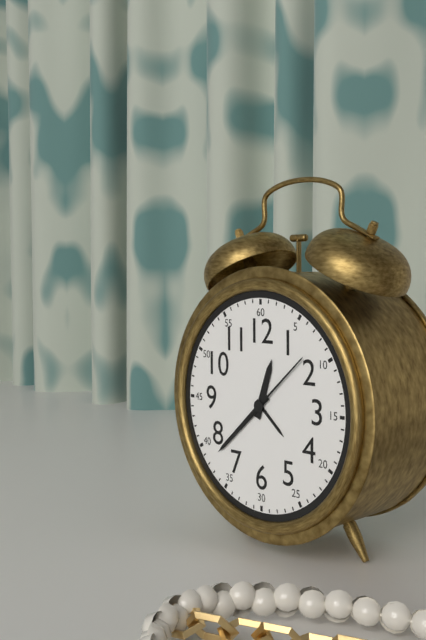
12:38:08
